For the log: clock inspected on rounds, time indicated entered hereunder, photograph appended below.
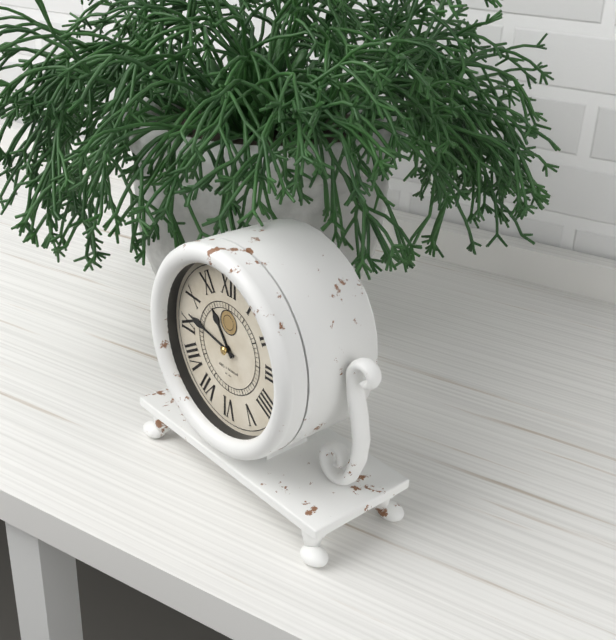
10:47
